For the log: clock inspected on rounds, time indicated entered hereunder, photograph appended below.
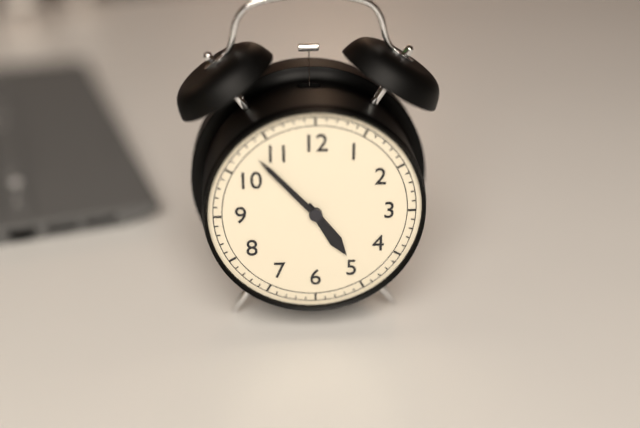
4:53
